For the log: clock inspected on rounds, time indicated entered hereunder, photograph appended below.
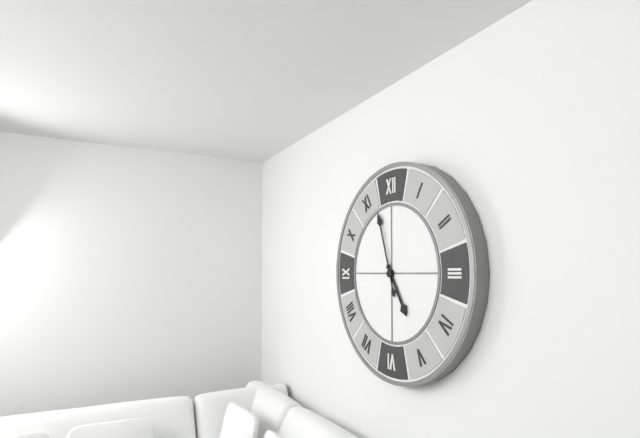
4:57
